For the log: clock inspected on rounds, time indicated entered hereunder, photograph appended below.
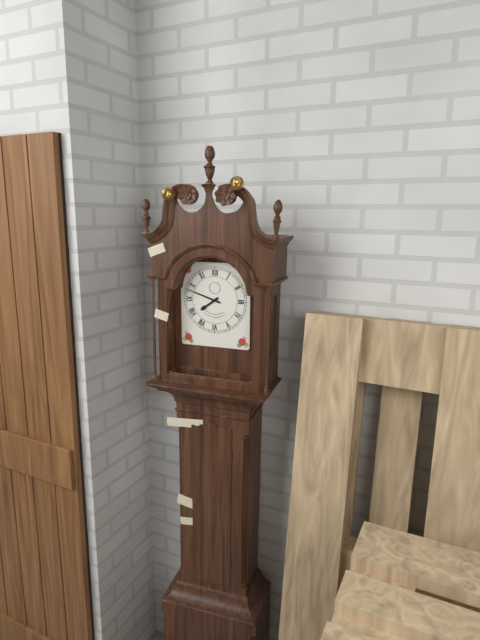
7:48
